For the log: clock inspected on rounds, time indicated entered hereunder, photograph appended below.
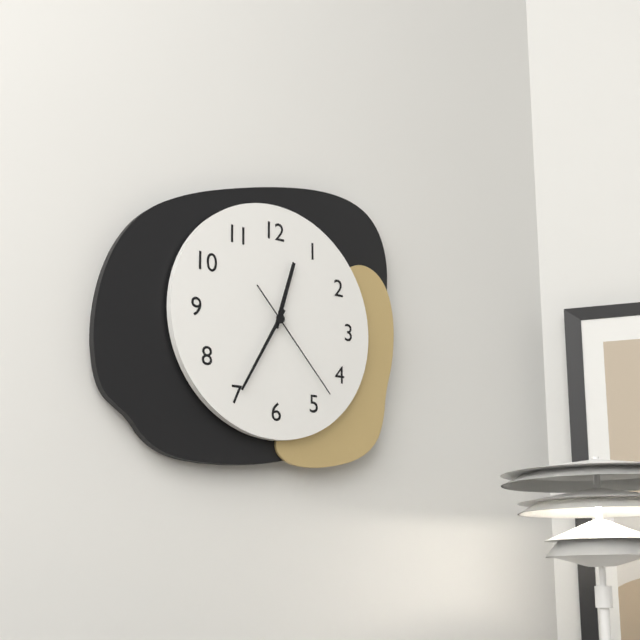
12:35:23
